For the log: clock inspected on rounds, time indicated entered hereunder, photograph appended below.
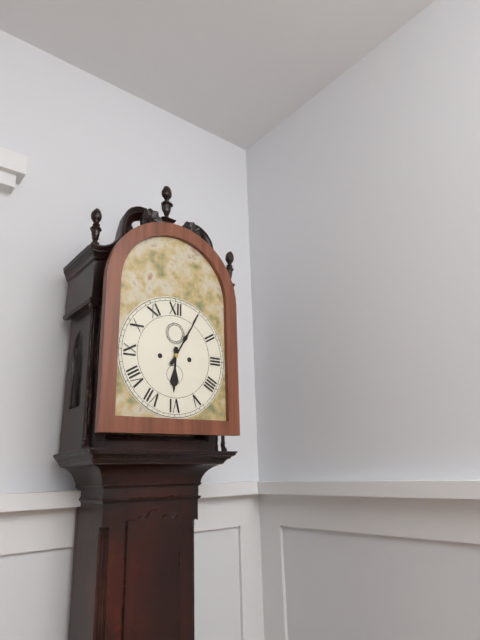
6:05
